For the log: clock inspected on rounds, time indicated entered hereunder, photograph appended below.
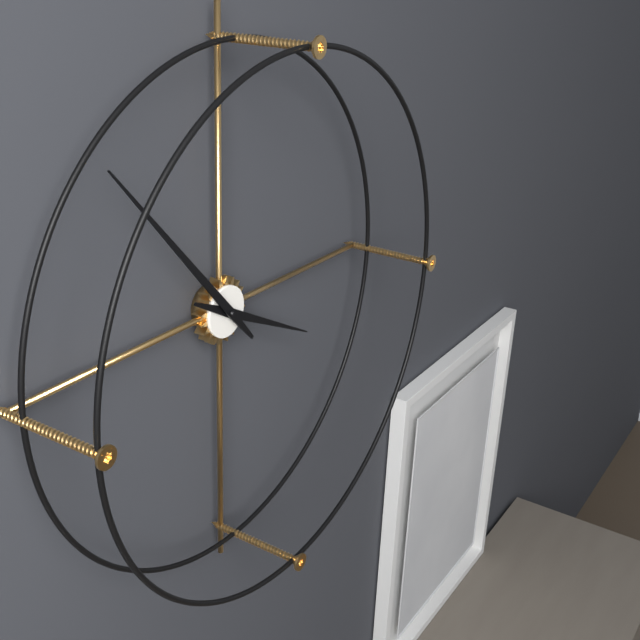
3:53
